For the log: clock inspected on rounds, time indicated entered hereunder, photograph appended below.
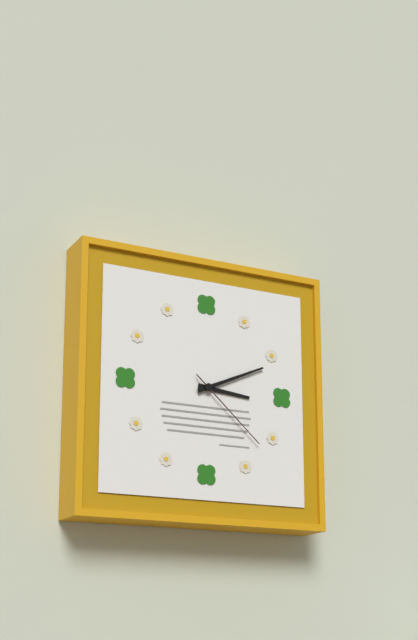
3:11:22
